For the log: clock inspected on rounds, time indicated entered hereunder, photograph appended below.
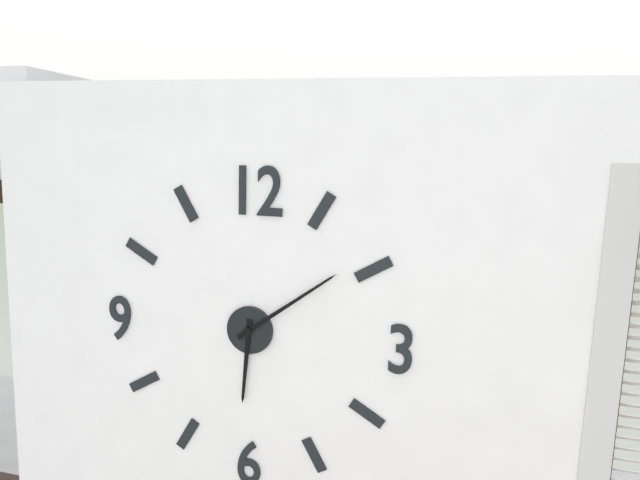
6:09
